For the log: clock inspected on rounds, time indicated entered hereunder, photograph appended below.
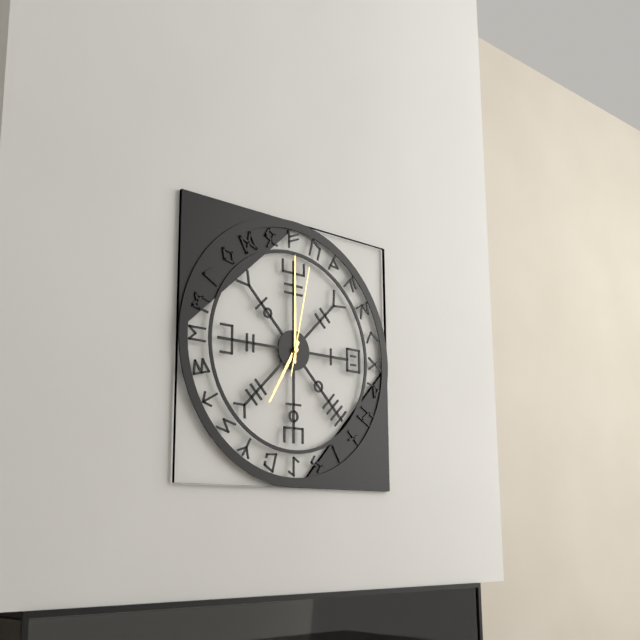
7:00:02
